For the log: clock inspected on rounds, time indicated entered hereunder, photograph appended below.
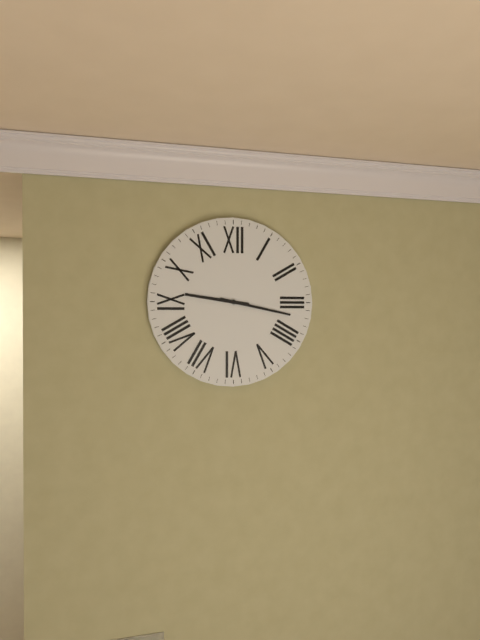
9:17
